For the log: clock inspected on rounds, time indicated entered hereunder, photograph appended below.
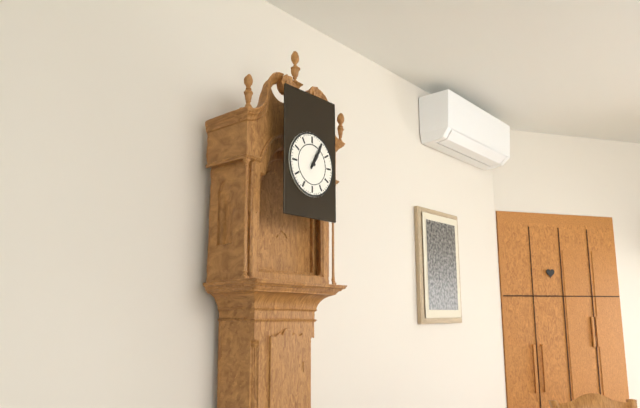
1:05
